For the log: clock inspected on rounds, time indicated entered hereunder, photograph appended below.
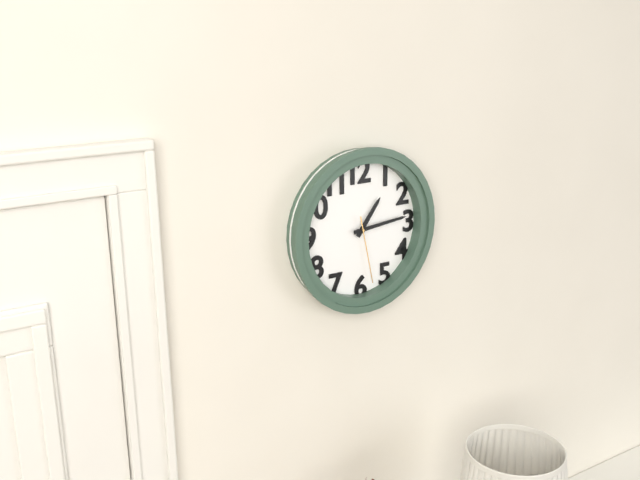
1:14:28
